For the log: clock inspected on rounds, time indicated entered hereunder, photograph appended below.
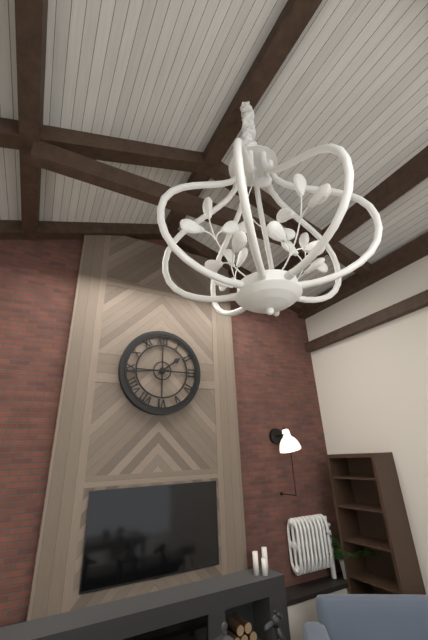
1:44
